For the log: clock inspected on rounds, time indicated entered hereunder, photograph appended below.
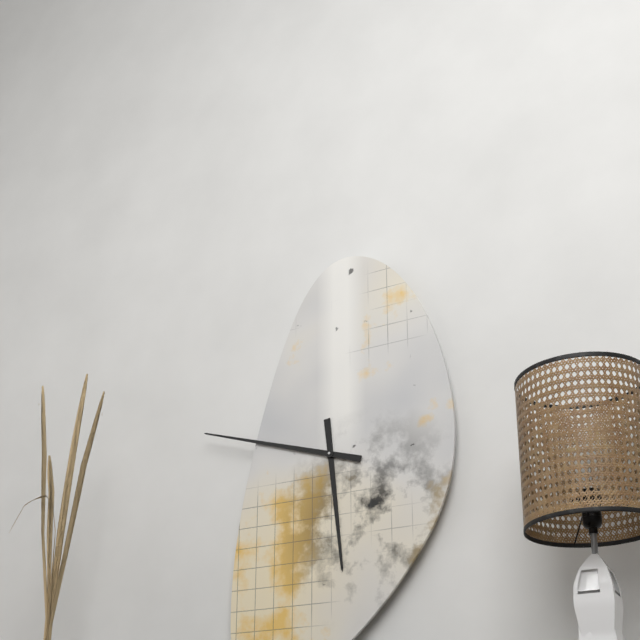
5:48
